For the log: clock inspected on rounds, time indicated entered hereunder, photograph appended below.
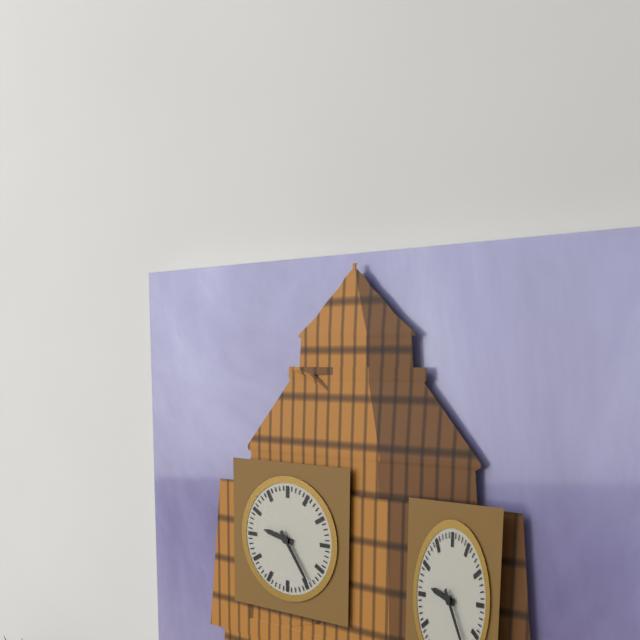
9:24
